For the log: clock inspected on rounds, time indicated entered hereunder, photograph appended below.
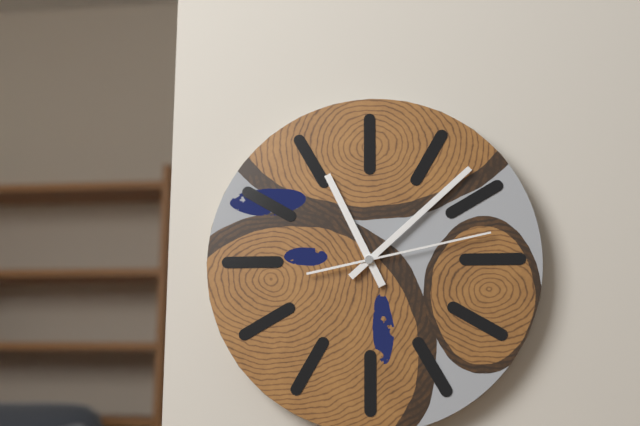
11:08:13
